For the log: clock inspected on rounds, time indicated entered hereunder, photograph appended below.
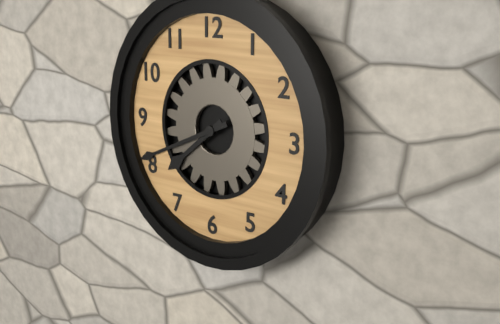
7:41
